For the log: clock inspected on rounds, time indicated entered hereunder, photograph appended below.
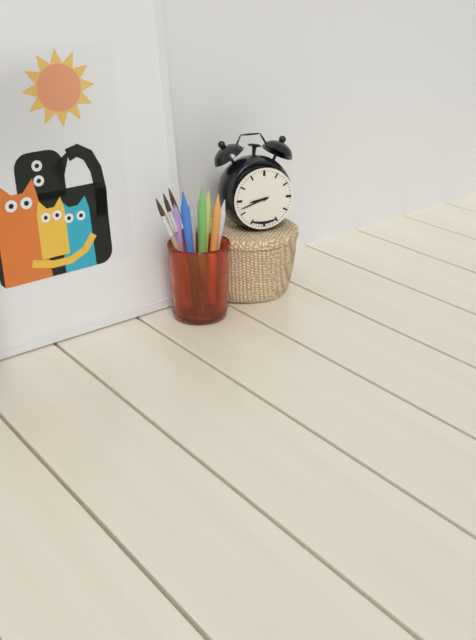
8:42
